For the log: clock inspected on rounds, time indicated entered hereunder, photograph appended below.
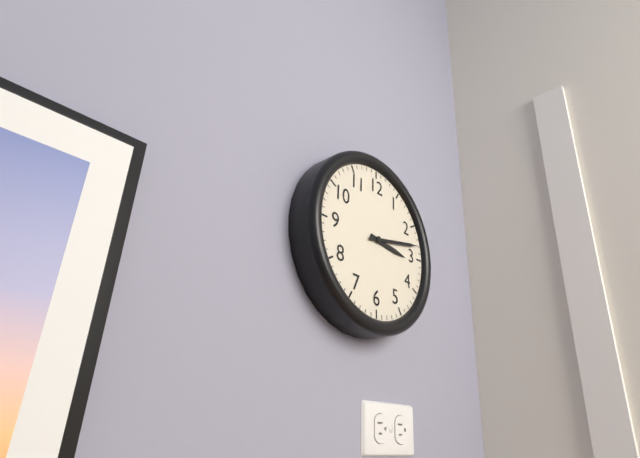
3:13
